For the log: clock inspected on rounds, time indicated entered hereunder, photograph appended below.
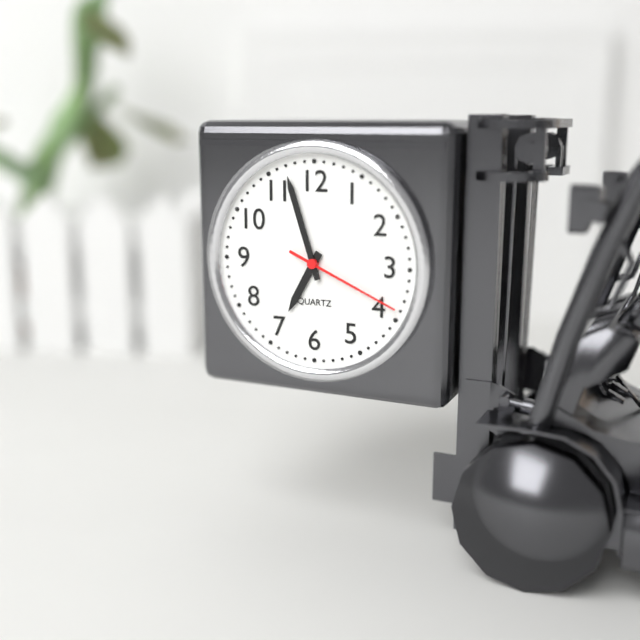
6:57:19
